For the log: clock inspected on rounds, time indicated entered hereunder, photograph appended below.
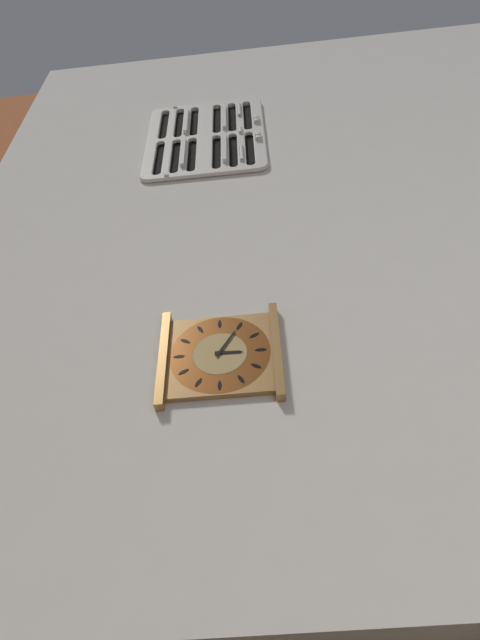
3:05
